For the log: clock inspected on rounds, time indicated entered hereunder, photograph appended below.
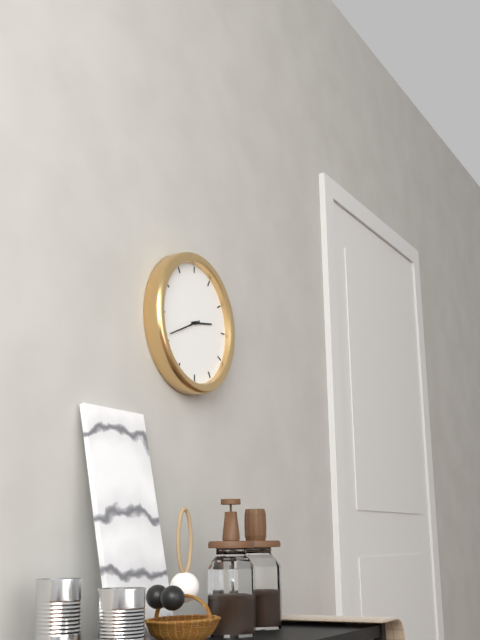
2:41
